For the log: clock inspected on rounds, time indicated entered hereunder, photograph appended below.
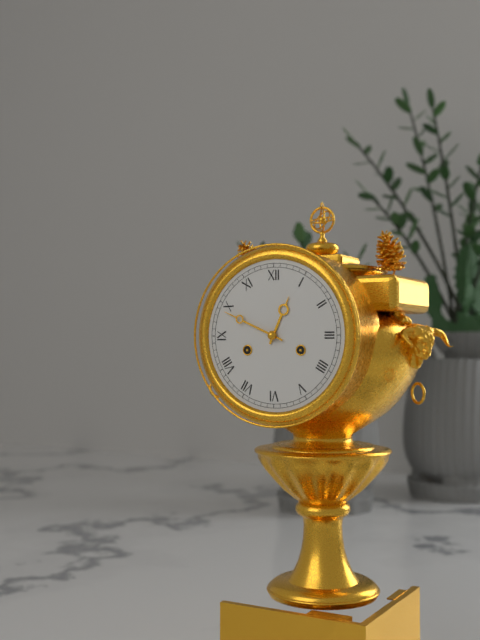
12:49
